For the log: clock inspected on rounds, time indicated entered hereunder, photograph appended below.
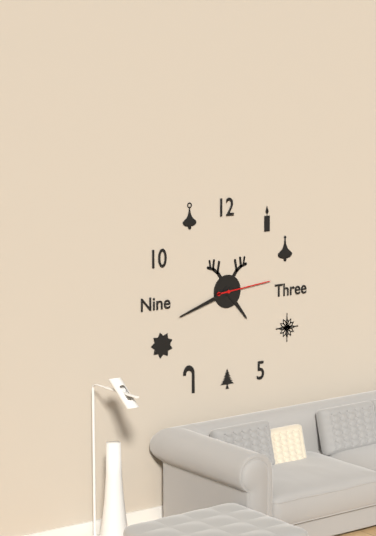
4:42:14
